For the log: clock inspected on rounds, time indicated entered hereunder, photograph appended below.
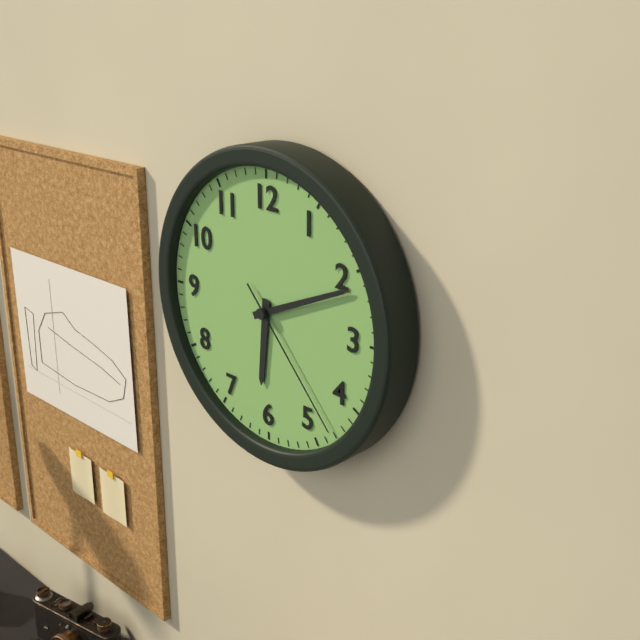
6:11:23
